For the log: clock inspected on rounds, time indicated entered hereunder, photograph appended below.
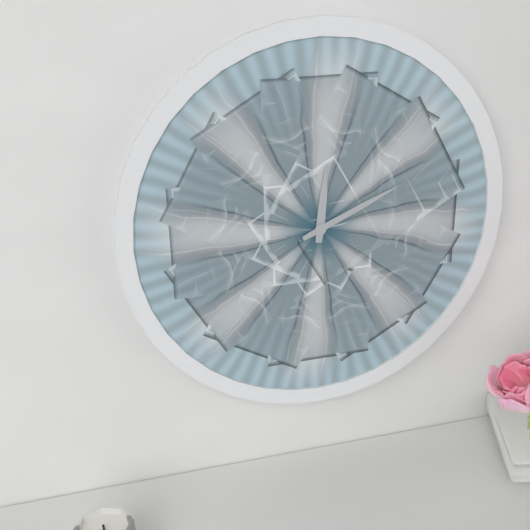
12:11
